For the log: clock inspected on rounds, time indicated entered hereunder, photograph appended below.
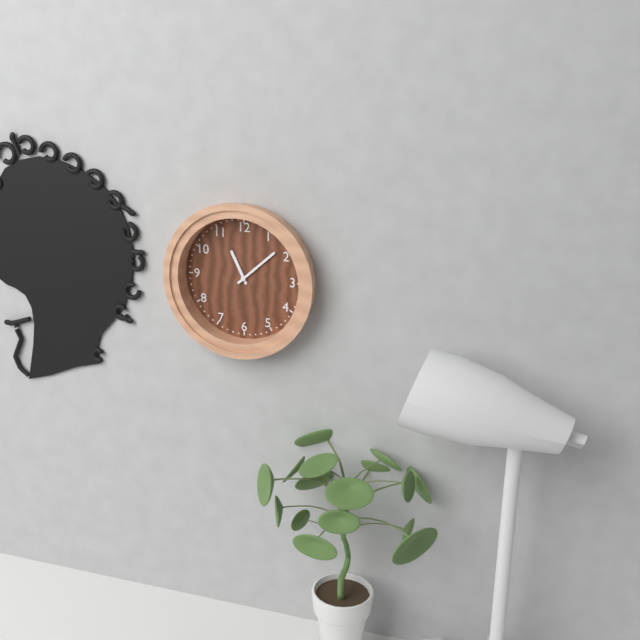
11:08
